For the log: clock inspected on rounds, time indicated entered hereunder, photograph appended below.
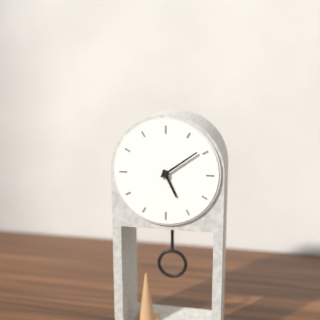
5:09
